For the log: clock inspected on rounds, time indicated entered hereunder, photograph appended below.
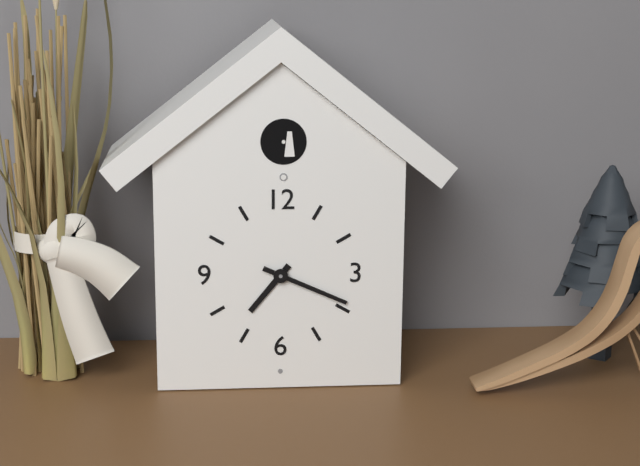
7:19
